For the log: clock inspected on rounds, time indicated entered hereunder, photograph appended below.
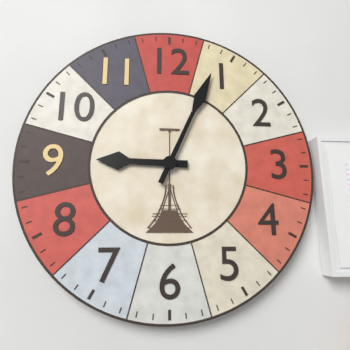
9:04
